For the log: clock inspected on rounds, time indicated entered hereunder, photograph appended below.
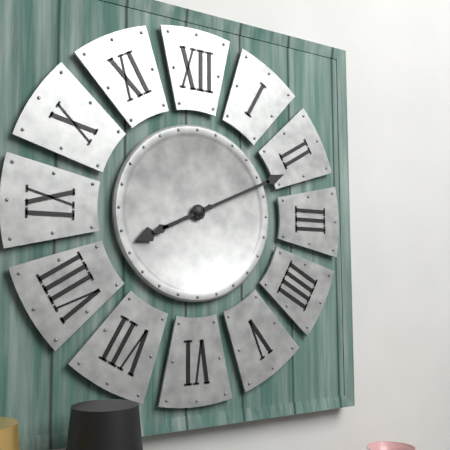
8:11
